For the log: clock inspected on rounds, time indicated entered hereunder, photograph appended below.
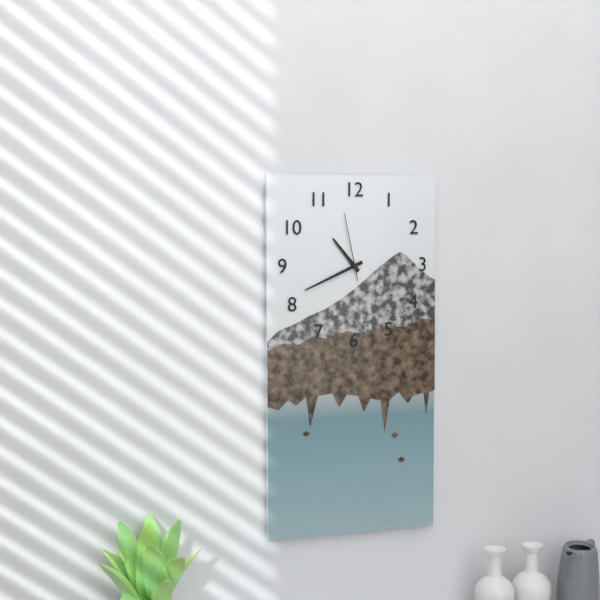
10:41:58
